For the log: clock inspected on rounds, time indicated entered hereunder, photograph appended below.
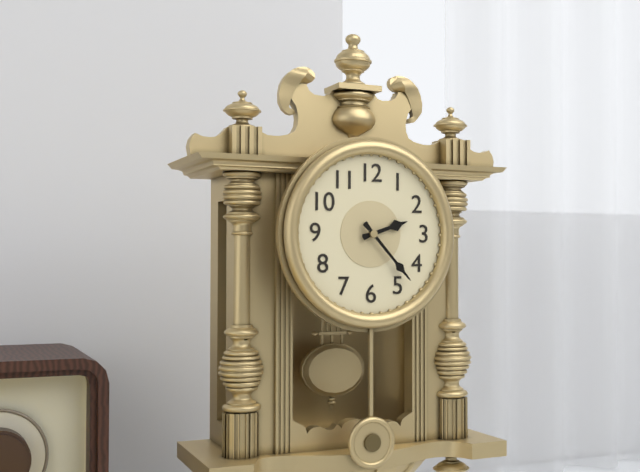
2:23
